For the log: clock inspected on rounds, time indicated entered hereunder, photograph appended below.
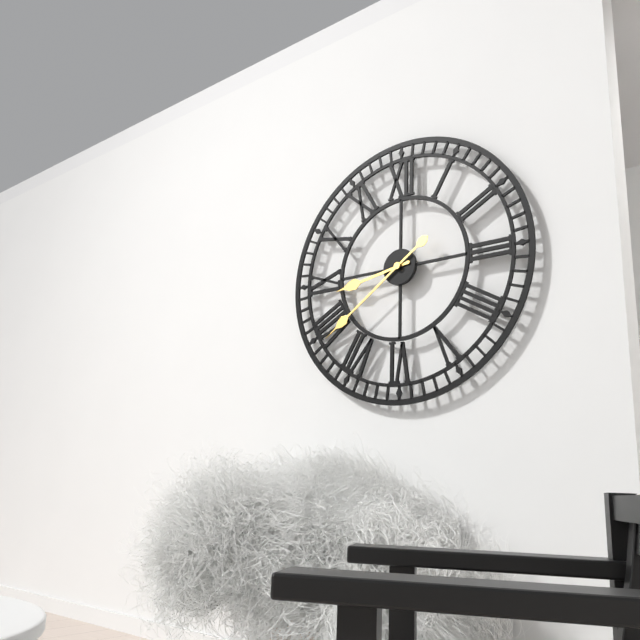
8:39
